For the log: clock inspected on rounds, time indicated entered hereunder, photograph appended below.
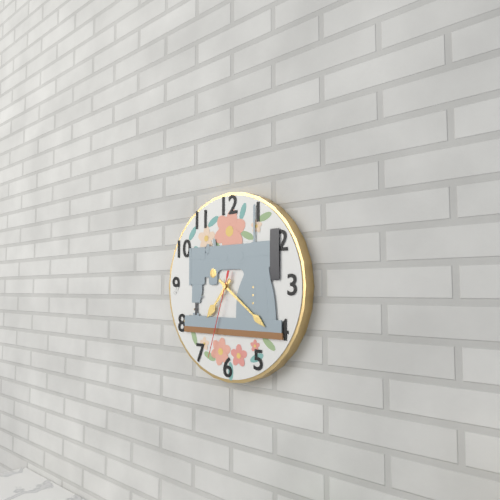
7:21:33
